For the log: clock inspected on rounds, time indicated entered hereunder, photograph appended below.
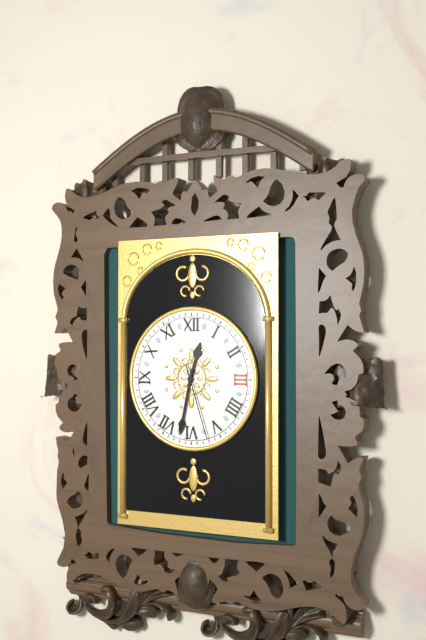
12:32:27
